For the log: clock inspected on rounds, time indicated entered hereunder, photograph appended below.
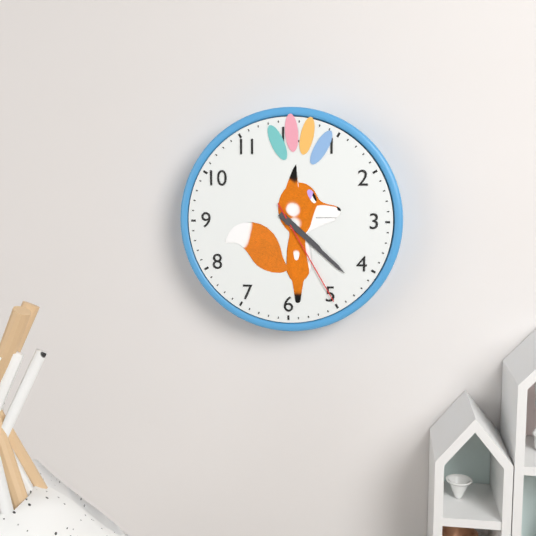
4:22:25
